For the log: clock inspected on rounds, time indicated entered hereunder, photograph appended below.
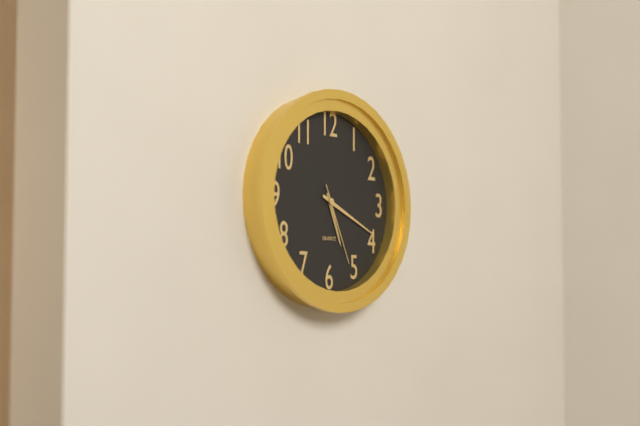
5:19:26
